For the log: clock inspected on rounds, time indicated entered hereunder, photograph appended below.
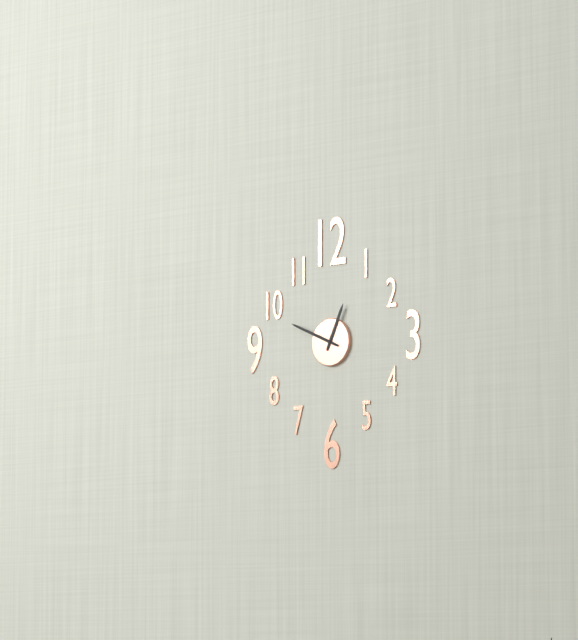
12:49
